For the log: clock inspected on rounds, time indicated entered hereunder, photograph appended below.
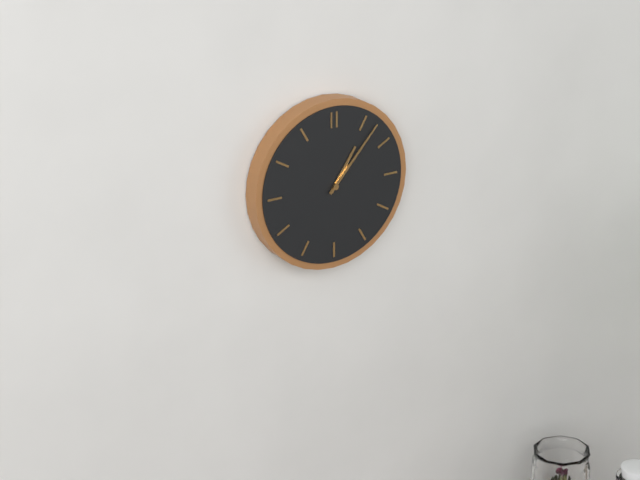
1:07
